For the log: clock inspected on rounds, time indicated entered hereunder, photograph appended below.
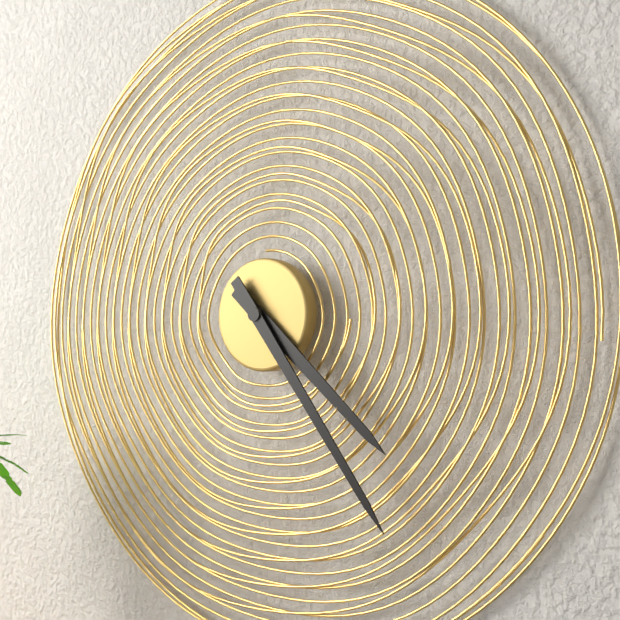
4:24
